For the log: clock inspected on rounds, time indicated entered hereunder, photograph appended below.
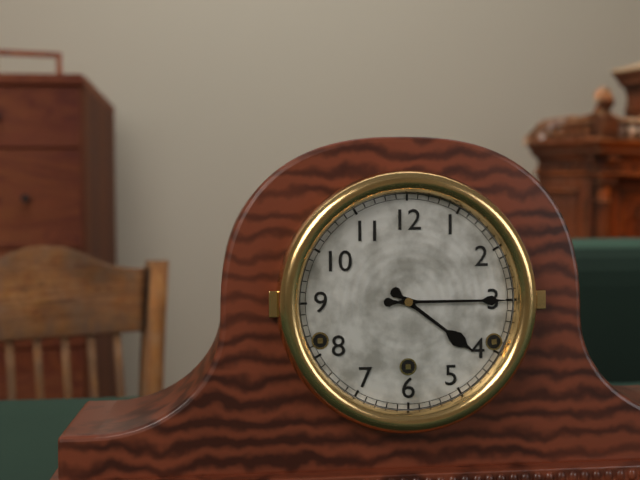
4:15
